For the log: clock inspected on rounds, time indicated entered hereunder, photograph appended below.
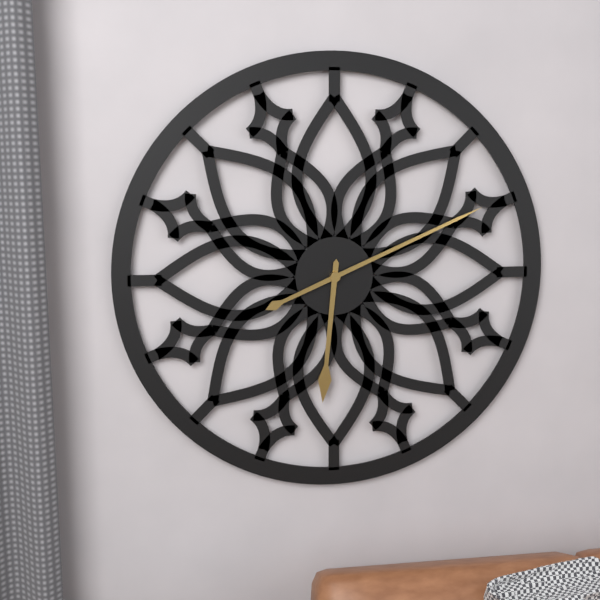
6:11
